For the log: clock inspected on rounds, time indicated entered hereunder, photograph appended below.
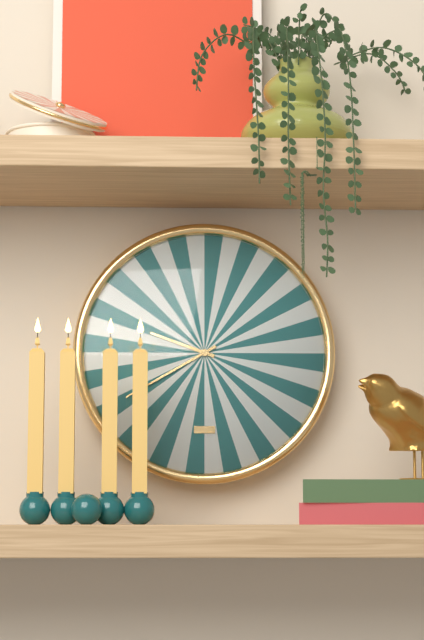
9:40
